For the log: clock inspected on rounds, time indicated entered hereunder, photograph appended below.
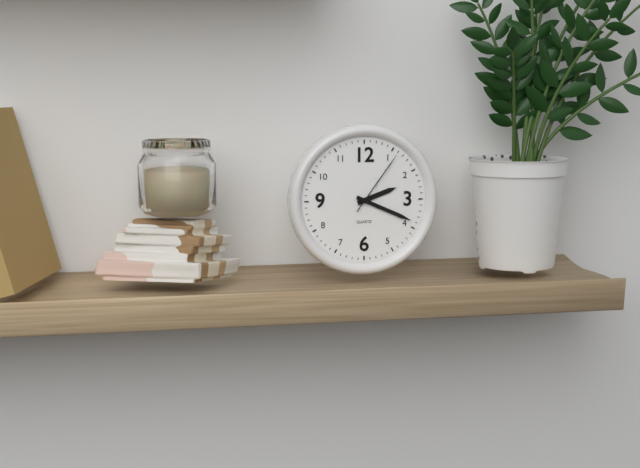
2:19:06
